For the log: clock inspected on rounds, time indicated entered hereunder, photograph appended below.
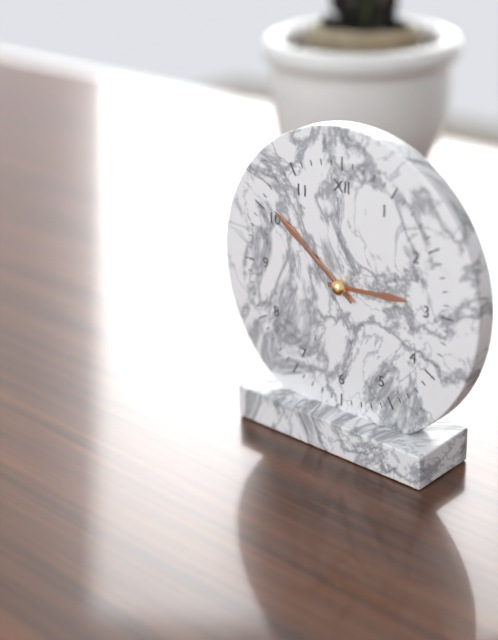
2:51
